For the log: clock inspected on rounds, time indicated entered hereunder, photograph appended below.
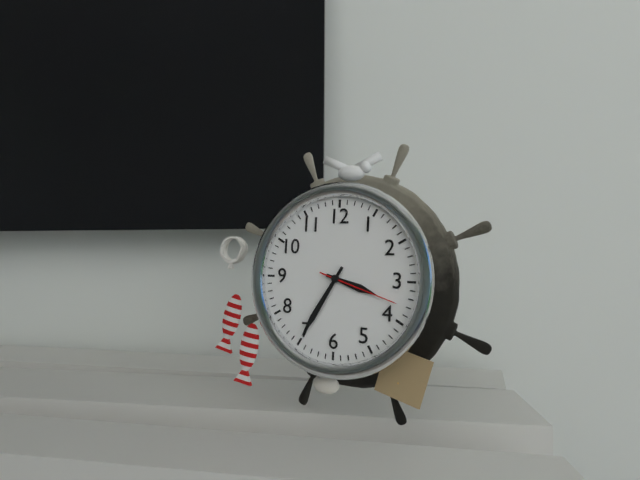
3:35:18
